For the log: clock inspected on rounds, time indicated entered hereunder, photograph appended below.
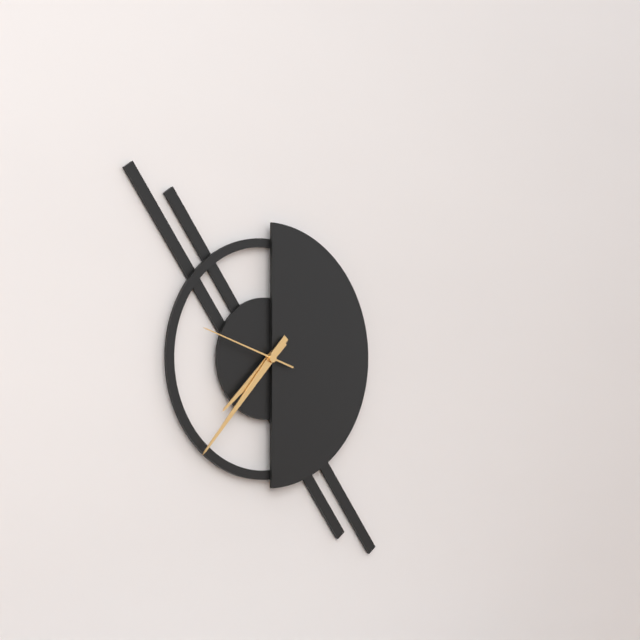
7:37:48
